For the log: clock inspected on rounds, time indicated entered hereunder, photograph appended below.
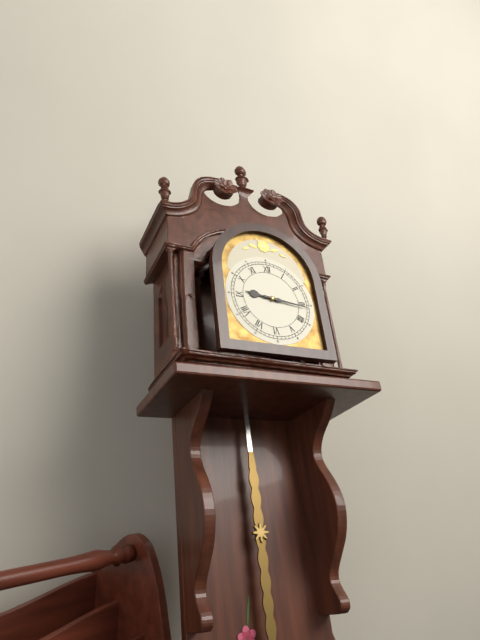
9:16
